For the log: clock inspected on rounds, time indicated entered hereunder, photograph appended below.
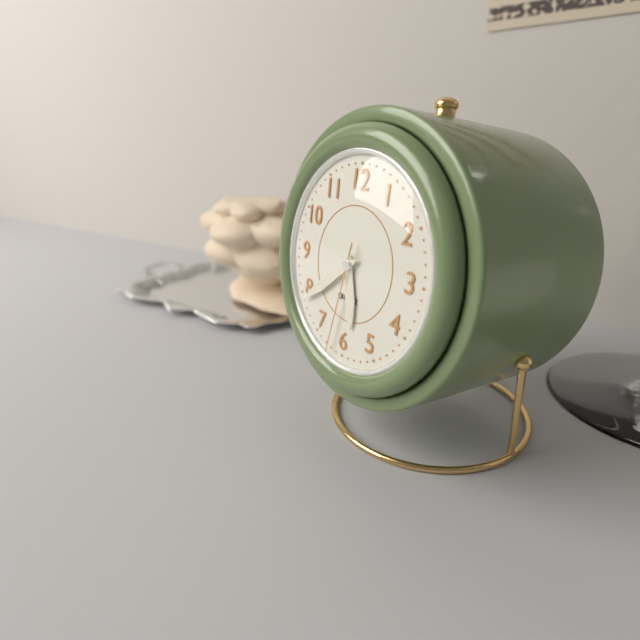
5:39:32
